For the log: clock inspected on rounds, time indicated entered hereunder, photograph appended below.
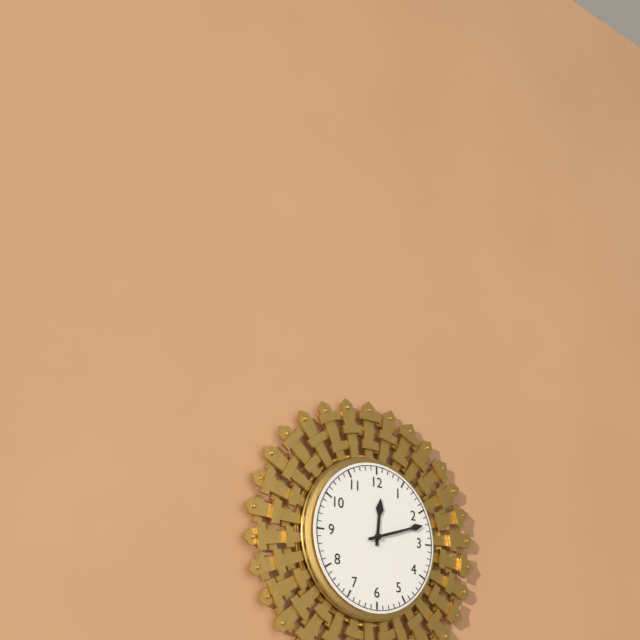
12:12
